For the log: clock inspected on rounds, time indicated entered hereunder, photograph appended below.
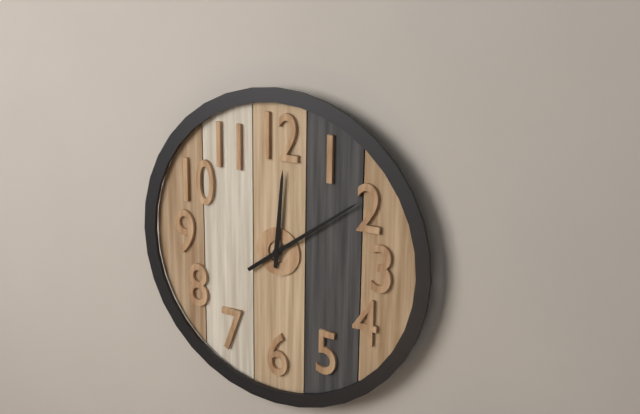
12:09
